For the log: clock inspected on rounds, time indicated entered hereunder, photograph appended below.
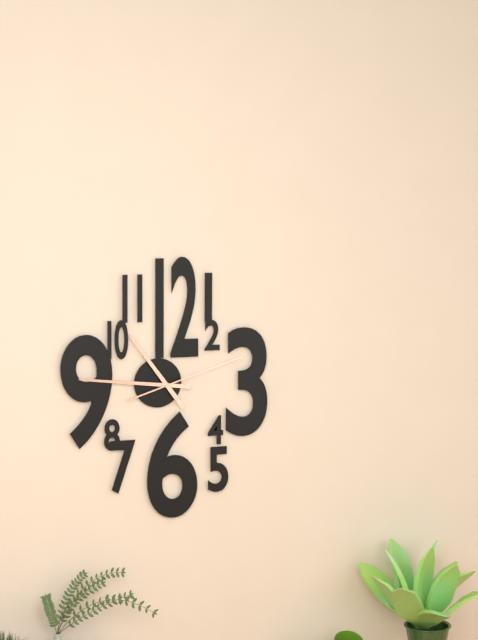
10:46:12
